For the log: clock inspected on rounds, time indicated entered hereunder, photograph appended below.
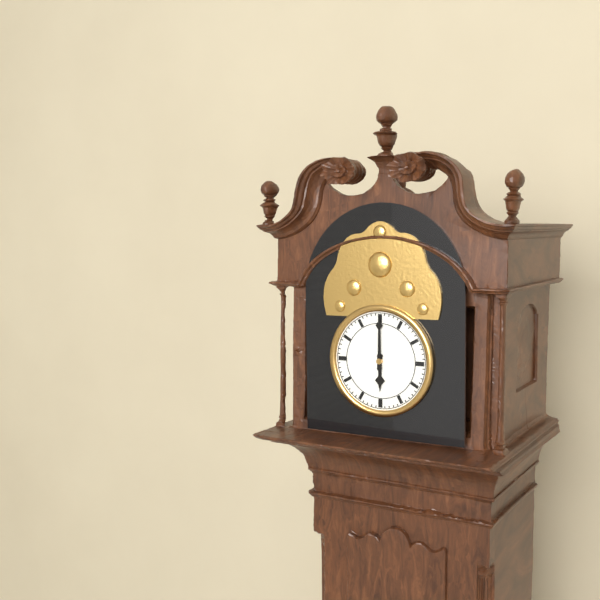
6:00
